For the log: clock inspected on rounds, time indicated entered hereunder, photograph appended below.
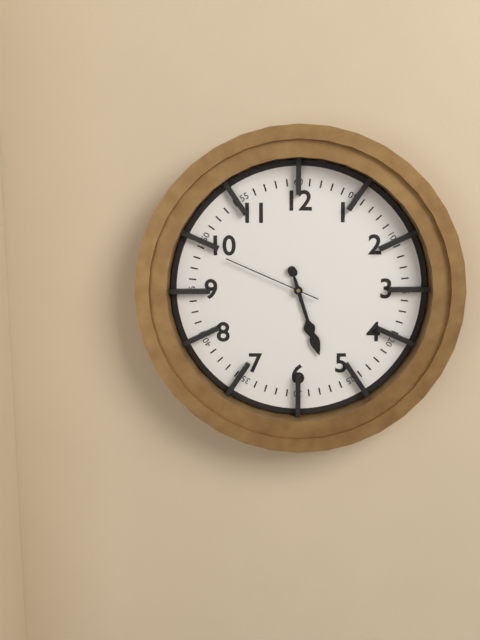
5:27:49
